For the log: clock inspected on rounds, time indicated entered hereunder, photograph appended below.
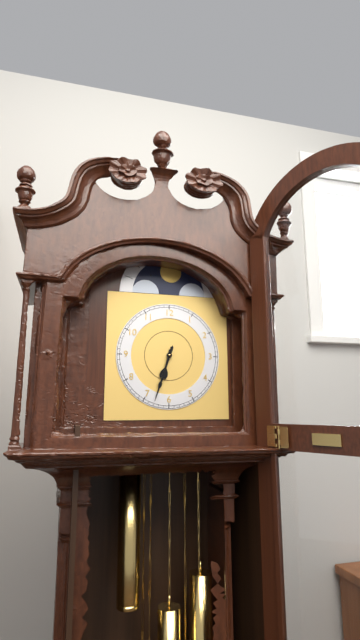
6:33
